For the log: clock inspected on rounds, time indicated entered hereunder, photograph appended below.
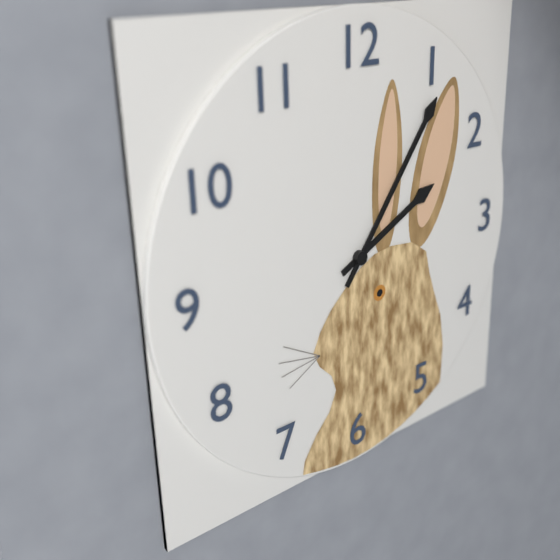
2:06
